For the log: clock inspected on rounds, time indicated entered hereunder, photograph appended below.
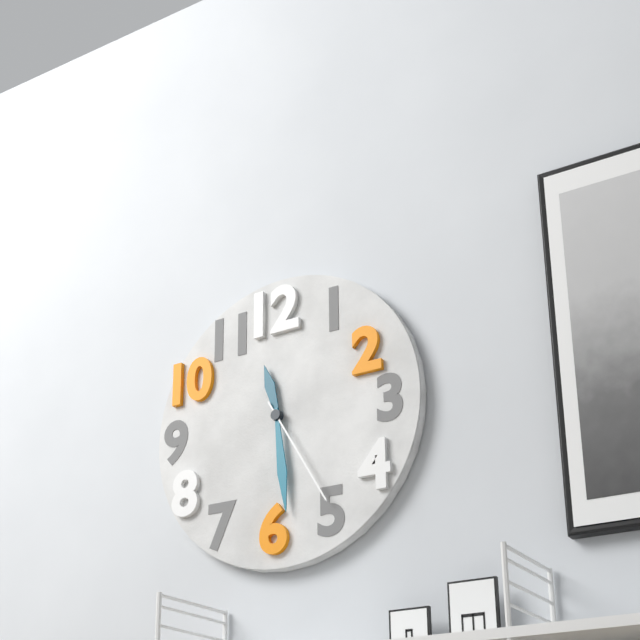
11:29:25
